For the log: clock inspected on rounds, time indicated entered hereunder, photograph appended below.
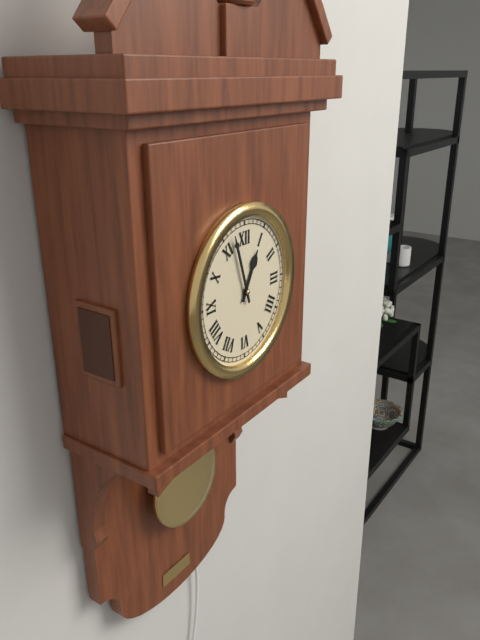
12:57
